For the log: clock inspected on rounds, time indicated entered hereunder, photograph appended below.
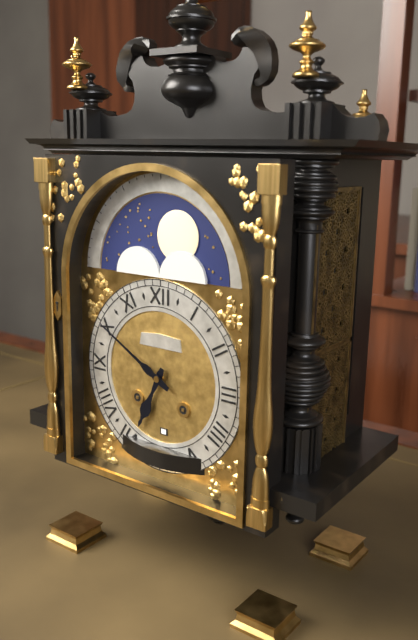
6:50
